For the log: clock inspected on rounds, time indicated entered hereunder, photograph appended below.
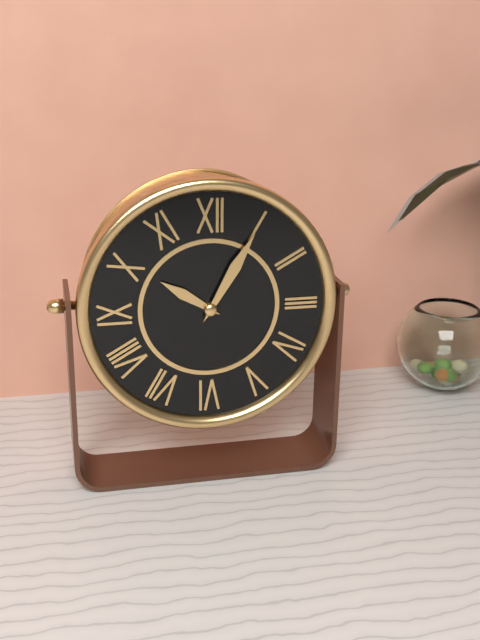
10:05
